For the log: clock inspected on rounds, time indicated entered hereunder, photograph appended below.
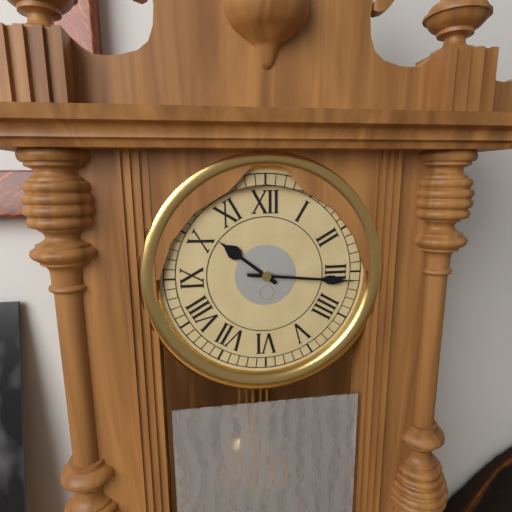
10:16
